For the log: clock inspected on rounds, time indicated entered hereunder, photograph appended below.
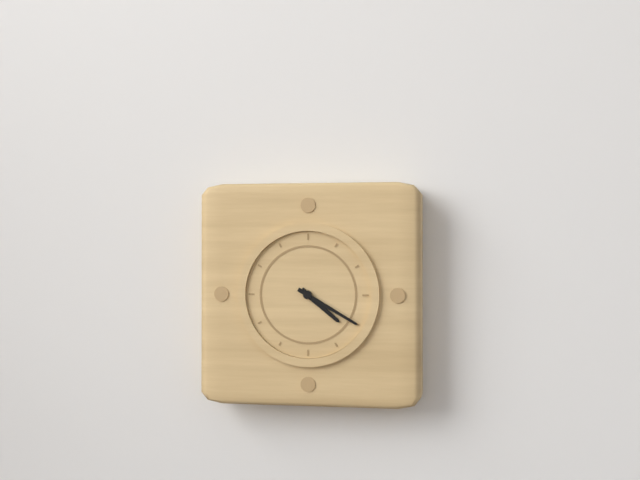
4:20
